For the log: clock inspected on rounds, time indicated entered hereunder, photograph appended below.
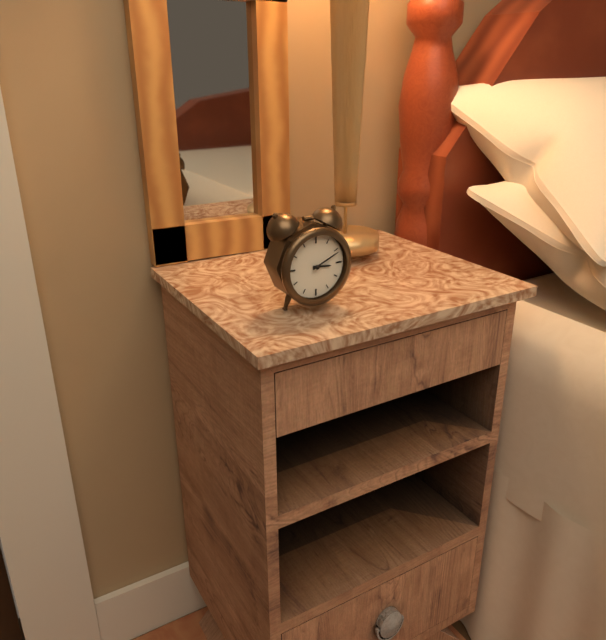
3:11
